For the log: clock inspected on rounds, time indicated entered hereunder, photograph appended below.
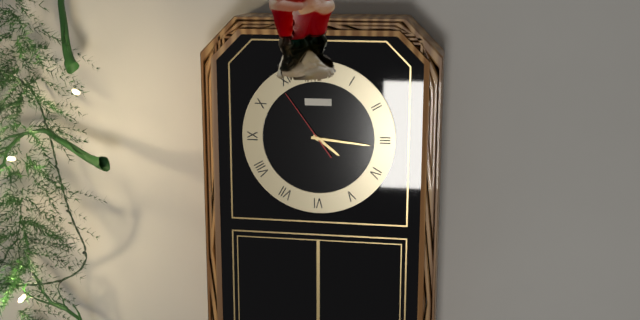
4:16:54
